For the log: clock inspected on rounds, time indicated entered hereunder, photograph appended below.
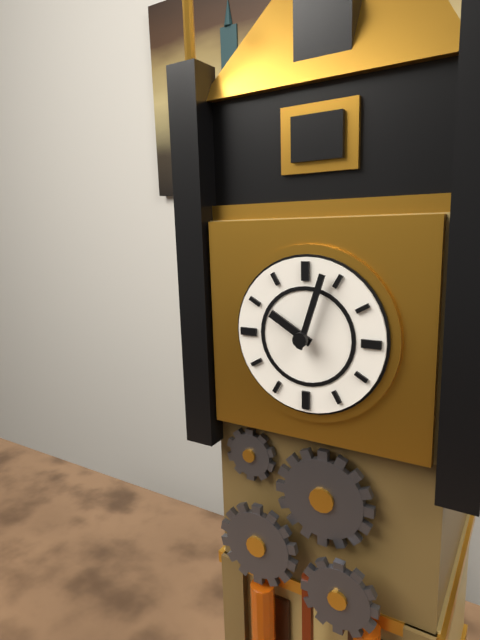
10:03
